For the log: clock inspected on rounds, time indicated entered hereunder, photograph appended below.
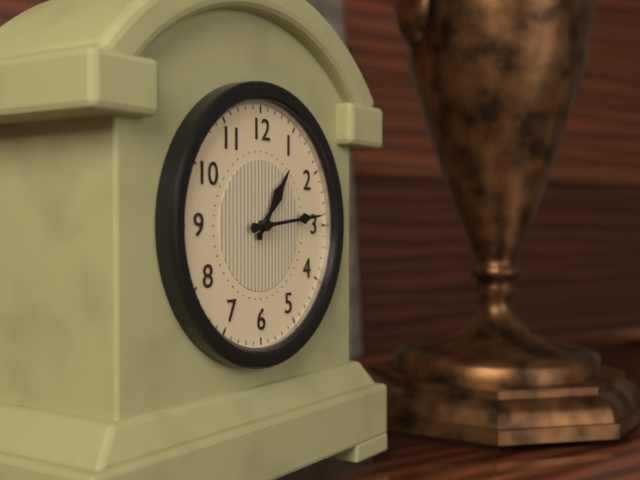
1:14
